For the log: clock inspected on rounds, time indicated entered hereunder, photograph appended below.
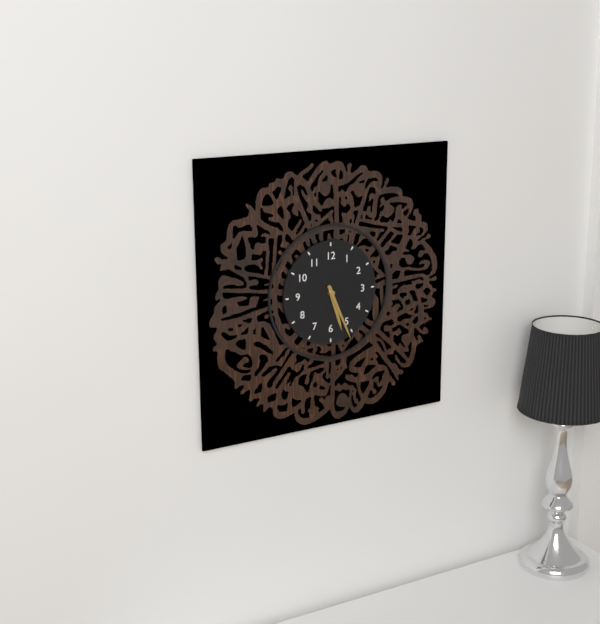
5:26
